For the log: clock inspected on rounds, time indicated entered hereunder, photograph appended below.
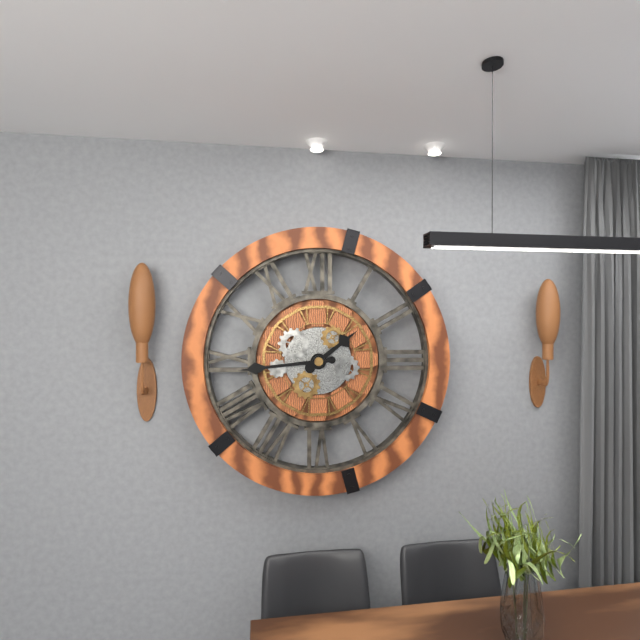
1:44
